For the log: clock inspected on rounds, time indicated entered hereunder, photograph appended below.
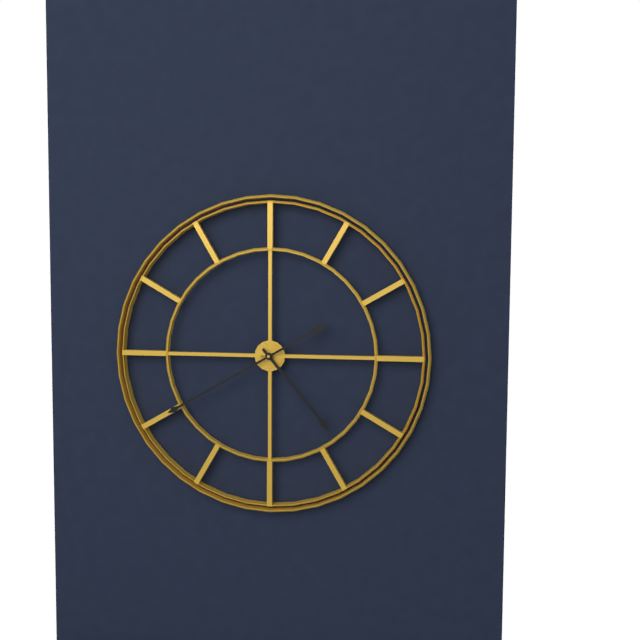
4:40
